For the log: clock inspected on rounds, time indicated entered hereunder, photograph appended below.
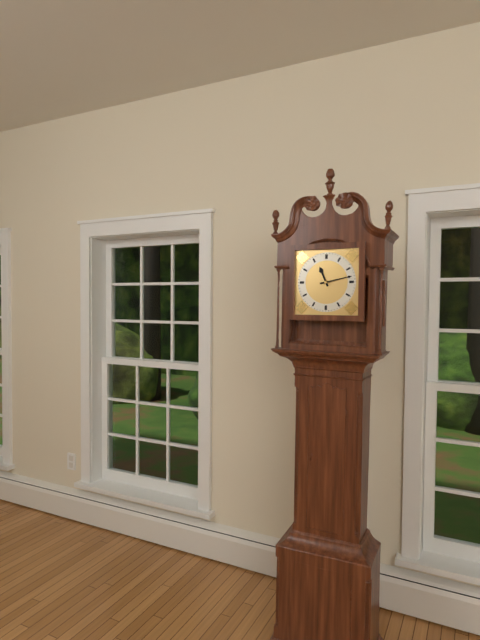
11:13
